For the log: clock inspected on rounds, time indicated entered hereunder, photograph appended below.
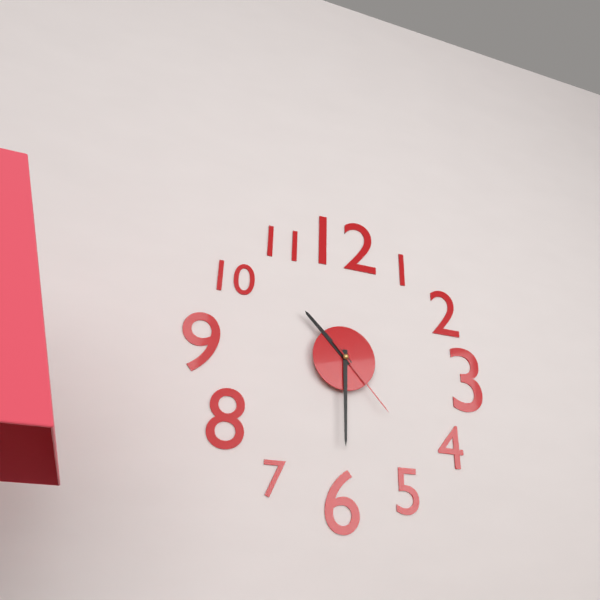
10:30:23
